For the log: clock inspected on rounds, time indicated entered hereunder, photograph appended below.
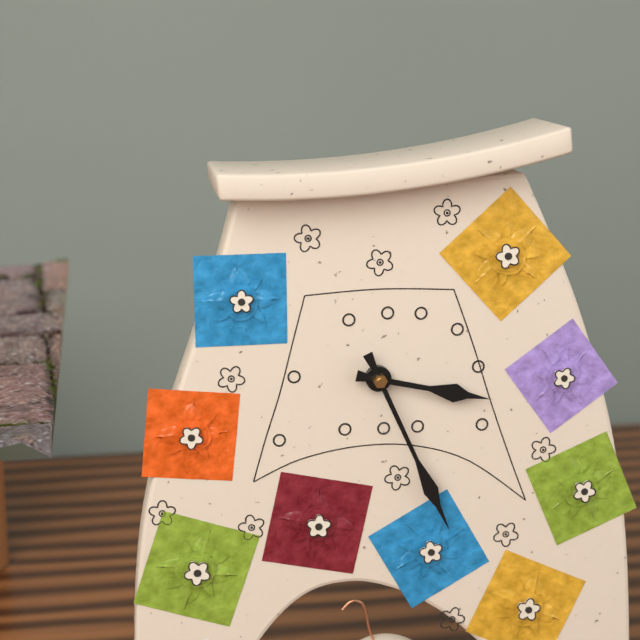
3:26
